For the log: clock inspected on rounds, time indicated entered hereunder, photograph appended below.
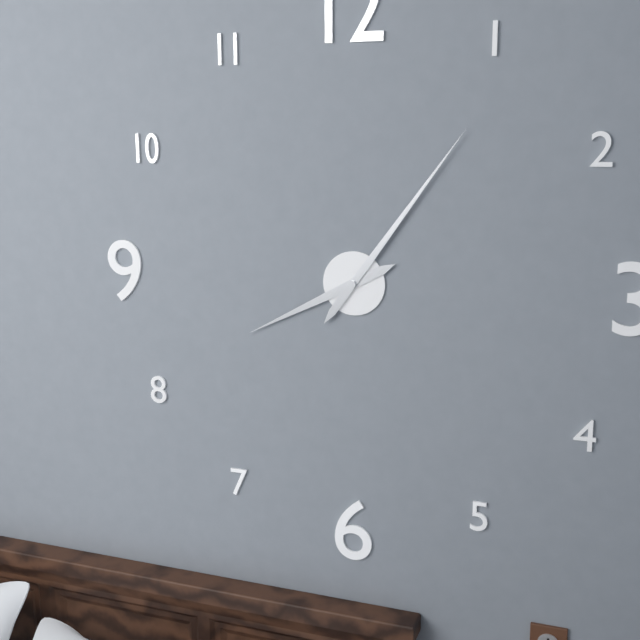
8:06
